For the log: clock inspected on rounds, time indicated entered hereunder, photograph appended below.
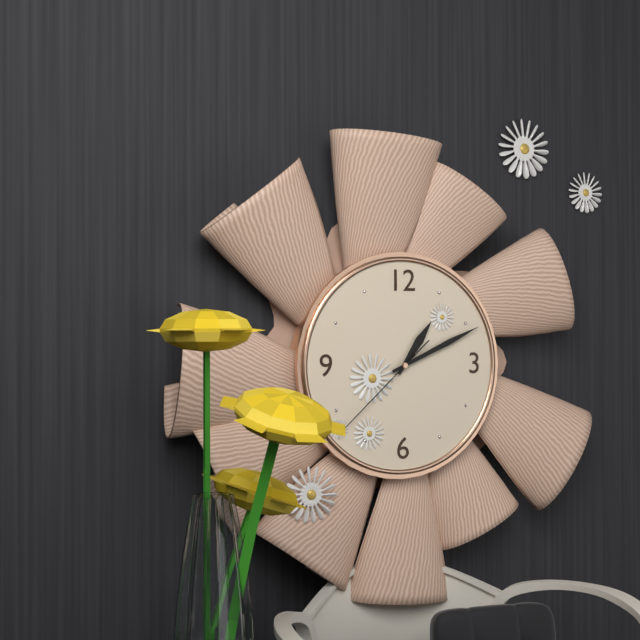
1:11:38
